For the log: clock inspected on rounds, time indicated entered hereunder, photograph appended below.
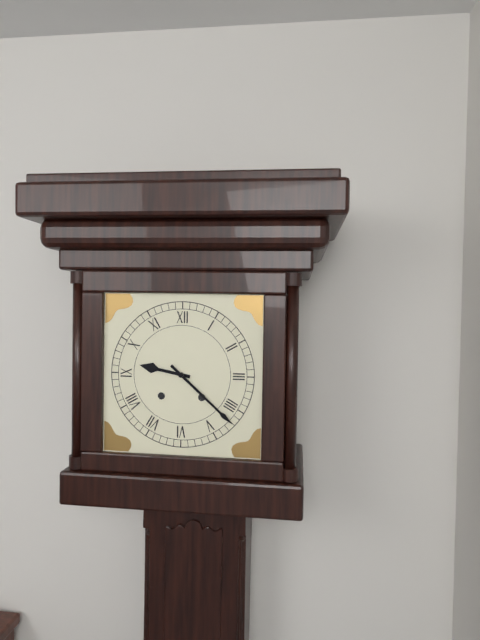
9:22
